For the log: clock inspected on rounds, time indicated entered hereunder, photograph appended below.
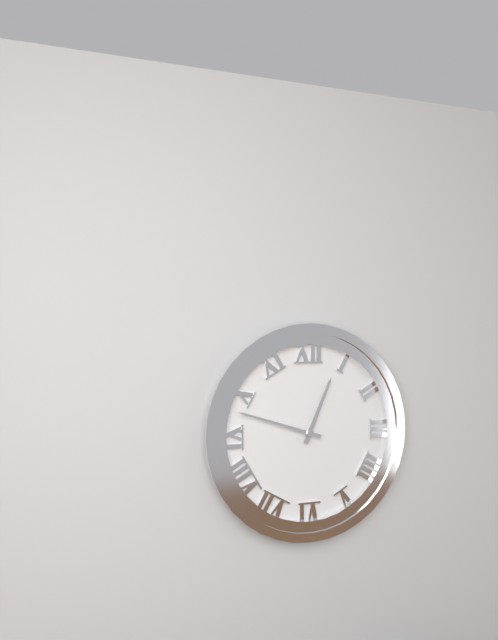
12:48
